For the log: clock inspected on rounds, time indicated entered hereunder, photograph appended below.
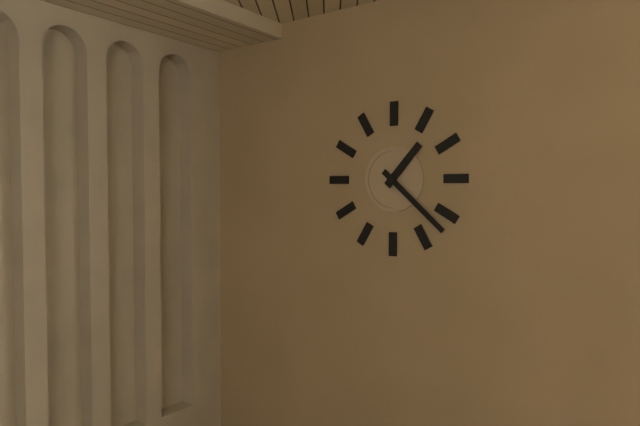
1:22
